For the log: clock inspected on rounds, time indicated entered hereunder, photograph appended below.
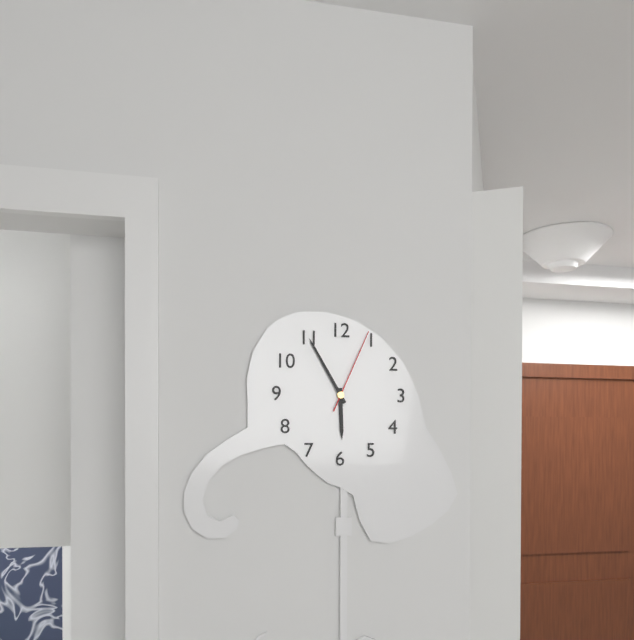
5:55:04
